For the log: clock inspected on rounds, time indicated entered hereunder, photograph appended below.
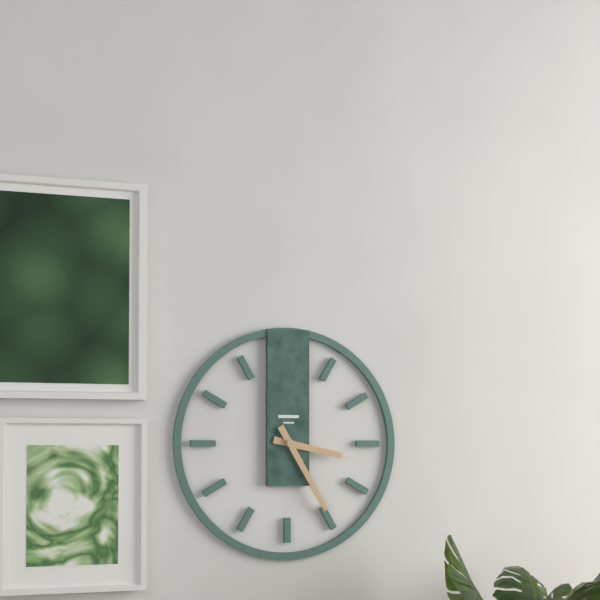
3:25
